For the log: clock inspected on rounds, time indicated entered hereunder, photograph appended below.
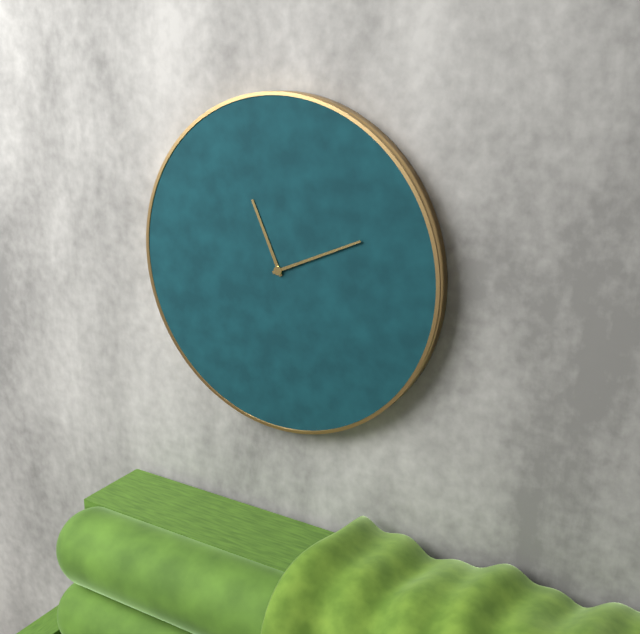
11:11
